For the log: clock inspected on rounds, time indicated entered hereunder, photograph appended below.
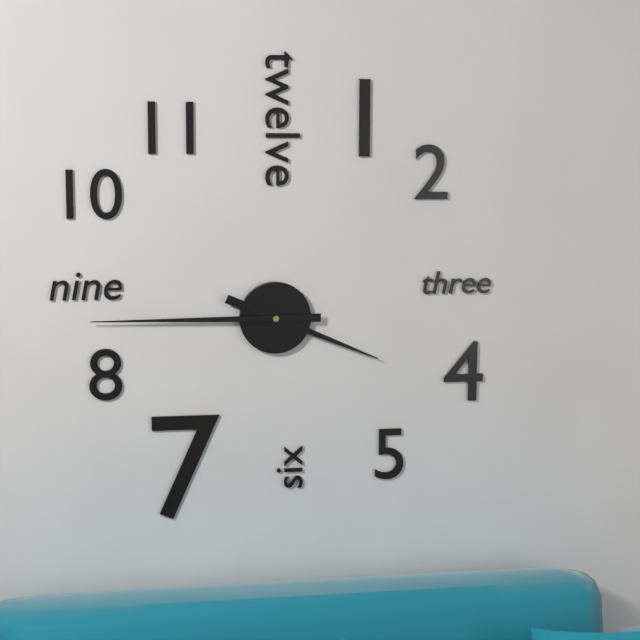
3:45
